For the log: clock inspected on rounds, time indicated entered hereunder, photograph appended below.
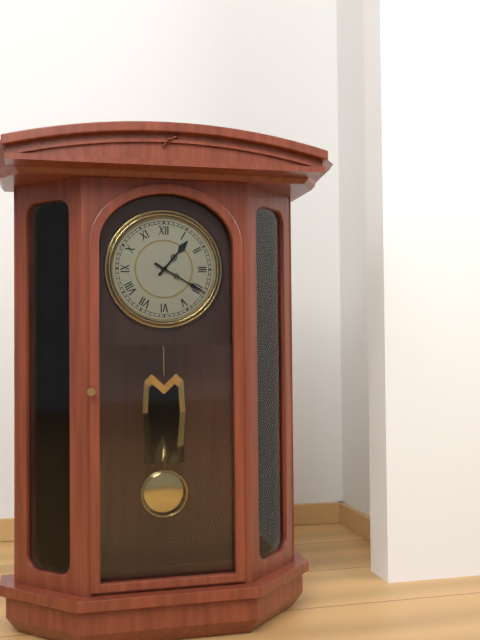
1:20
